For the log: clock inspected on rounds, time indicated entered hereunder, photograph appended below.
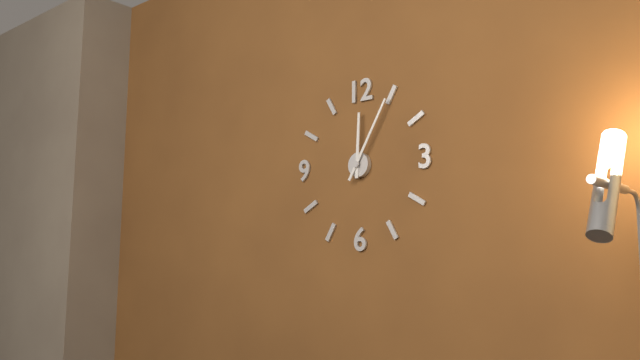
12:05
